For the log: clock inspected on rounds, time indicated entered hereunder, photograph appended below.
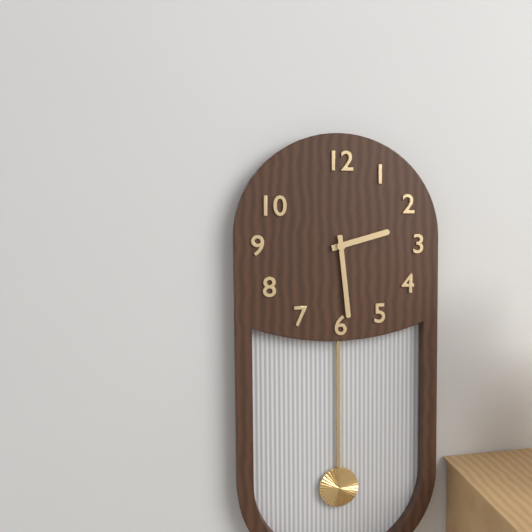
2:29
